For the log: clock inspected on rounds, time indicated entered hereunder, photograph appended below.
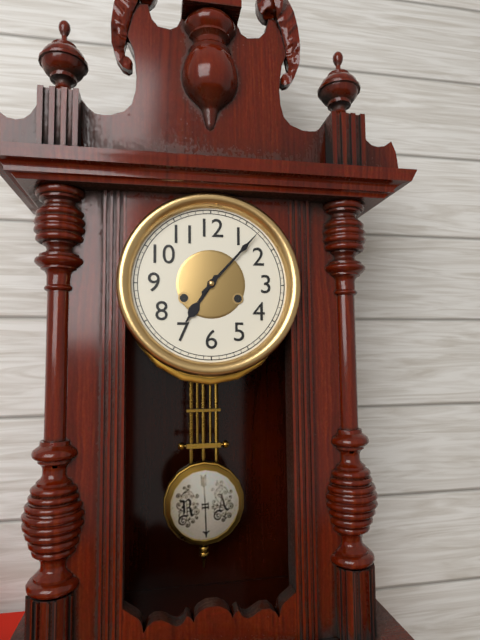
7:07
